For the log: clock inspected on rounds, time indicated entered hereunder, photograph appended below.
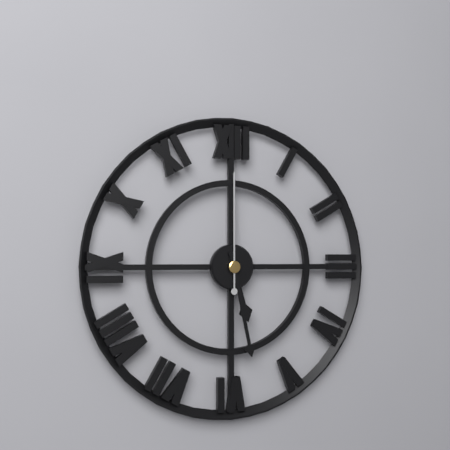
5:28:00
